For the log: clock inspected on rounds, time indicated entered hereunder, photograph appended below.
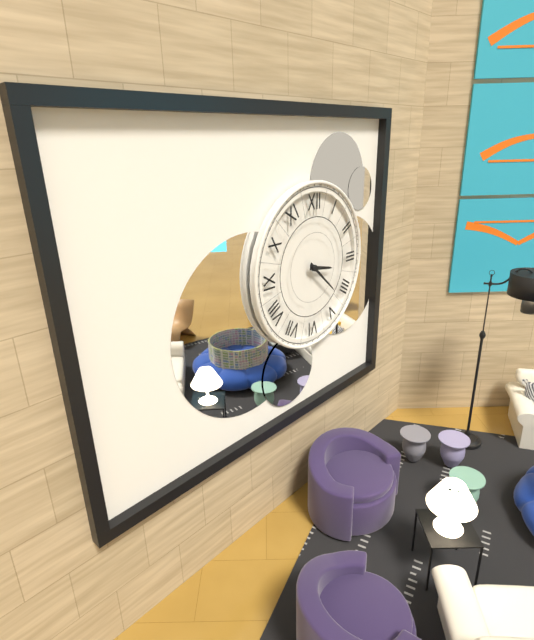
3:22
